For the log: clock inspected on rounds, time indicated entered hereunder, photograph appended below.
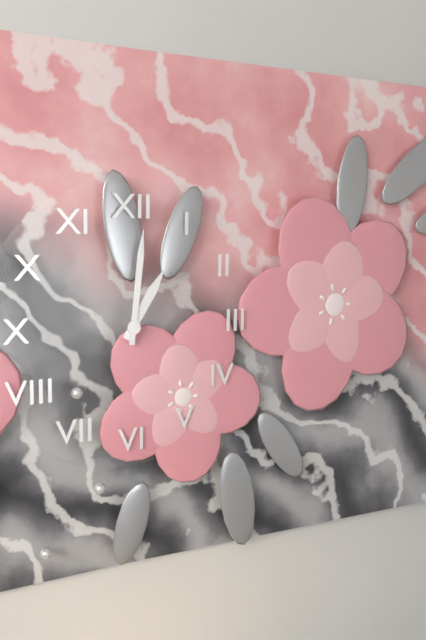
1:01
